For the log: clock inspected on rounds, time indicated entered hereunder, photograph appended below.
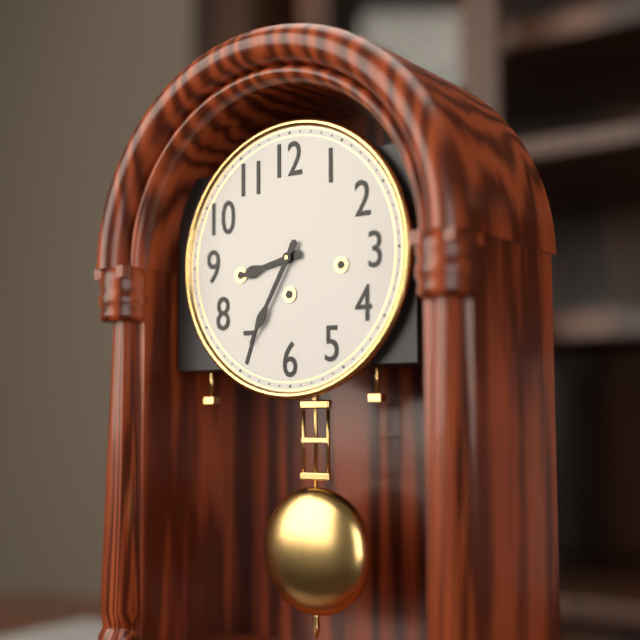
8:35
